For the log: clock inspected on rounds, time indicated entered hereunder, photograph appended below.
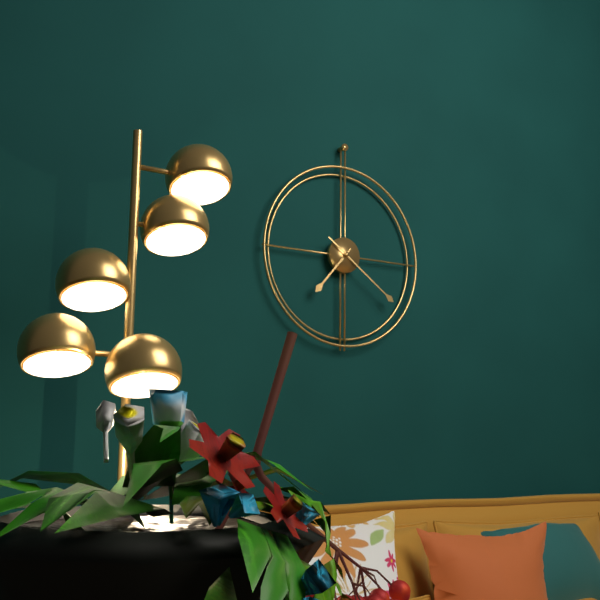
7:21
